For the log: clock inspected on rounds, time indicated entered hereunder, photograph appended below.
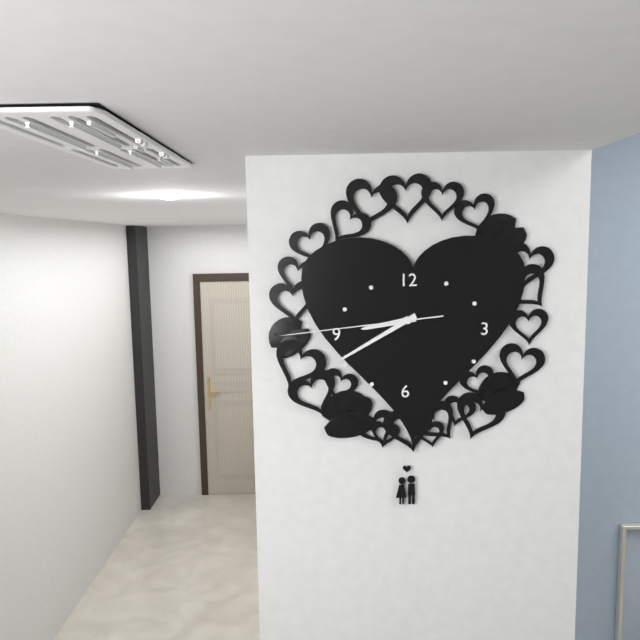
8:40:44
